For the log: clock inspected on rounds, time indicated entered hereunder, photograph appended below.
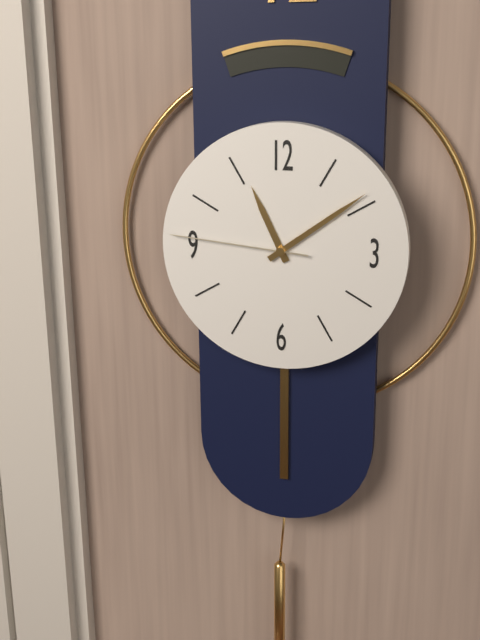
11:09:46
